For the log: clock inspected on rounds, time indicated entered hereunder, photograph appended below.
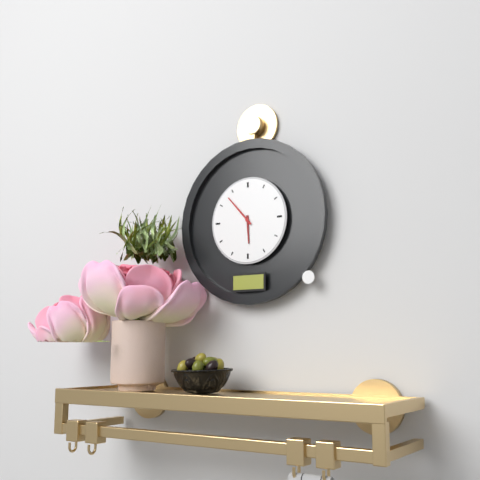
5:53
